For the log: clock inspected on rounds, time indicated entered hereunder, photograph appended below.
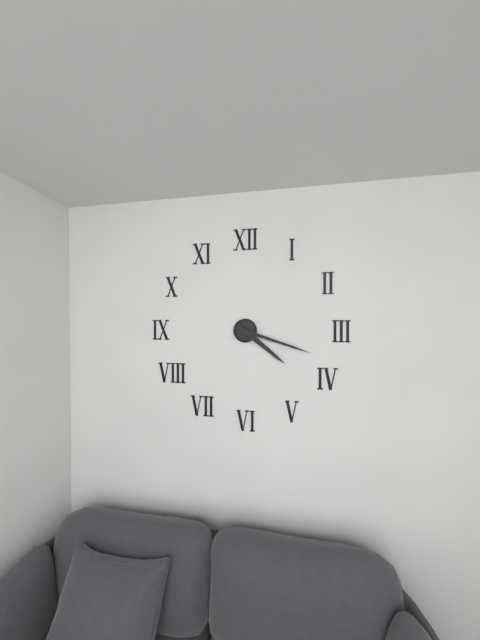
4:18
